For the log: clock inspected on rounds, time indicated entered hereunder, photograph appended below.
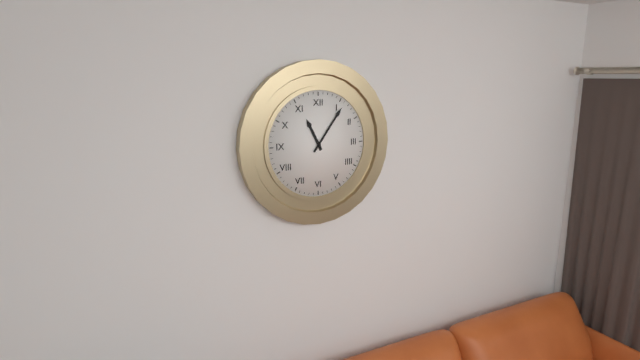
11:06
